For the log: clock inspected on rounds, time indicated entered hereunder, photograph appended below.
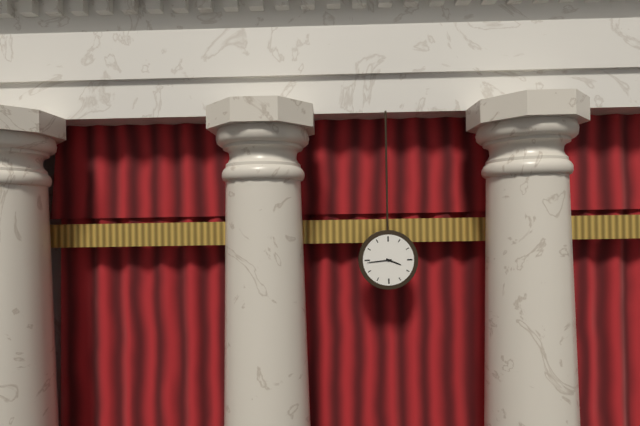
3:44
